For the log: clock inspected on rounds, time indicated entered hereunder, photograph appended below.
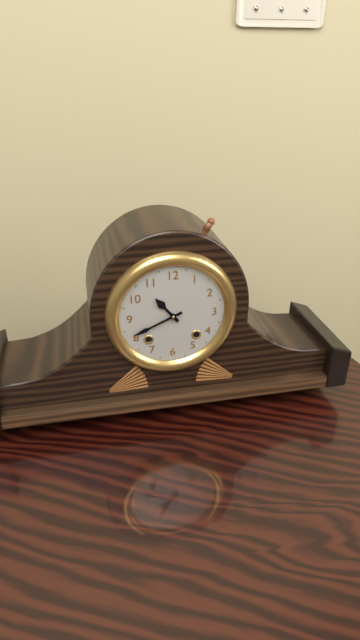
10:41
